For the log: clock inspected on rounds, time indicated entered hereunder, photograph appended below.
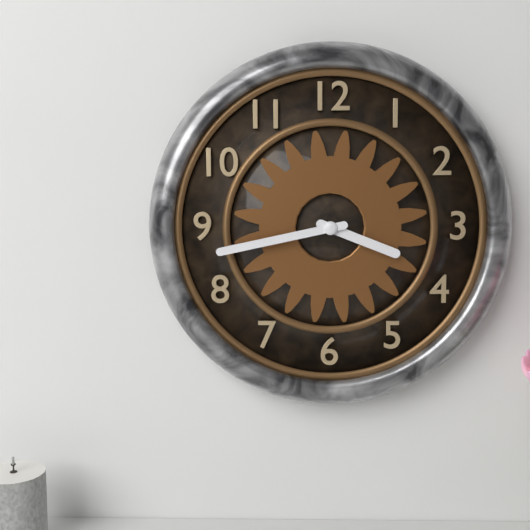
3:43
